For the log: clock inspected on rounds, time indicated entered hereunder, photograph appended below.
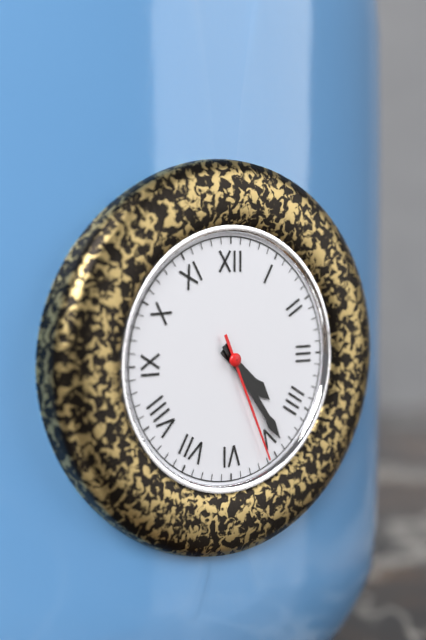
4:24:26
